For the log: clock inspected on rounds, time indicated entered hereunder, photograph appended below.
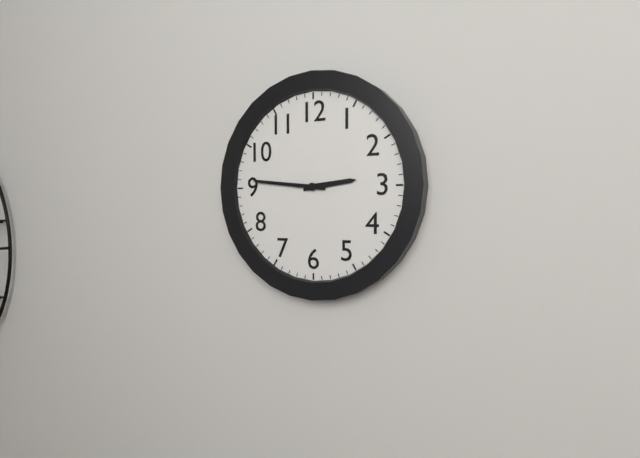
2:46
